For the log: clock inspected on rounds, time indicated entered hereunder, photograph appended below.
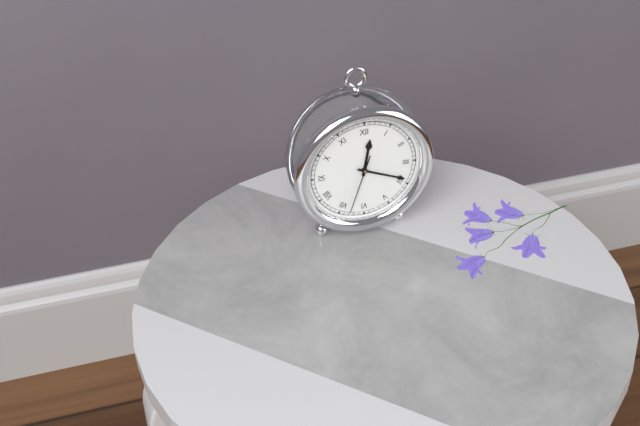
12:19:33
